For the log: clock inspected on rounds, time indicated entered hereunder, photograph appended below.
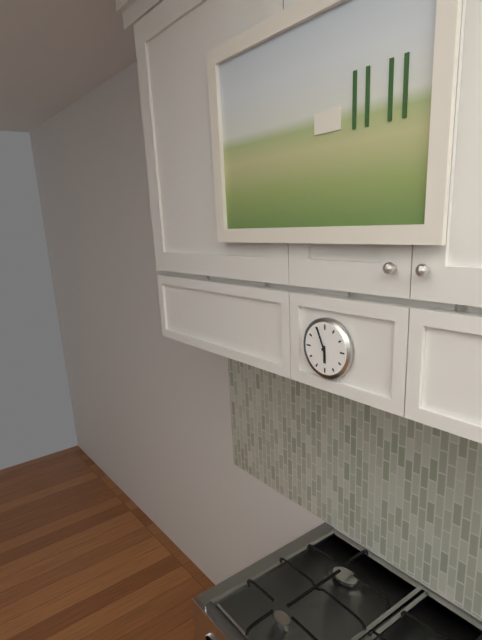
5:56
